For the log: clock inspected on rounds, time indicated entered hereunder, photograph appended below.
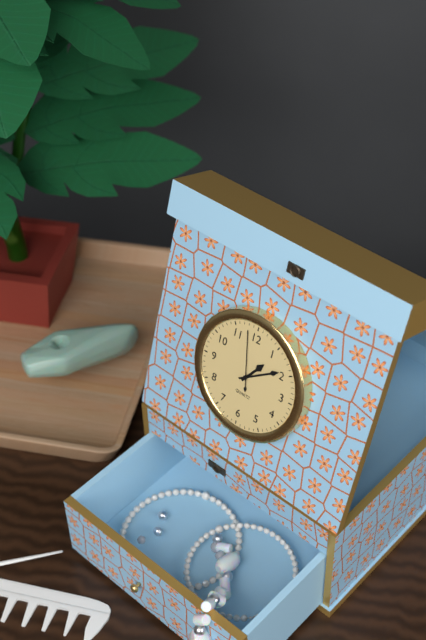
1:09:58
